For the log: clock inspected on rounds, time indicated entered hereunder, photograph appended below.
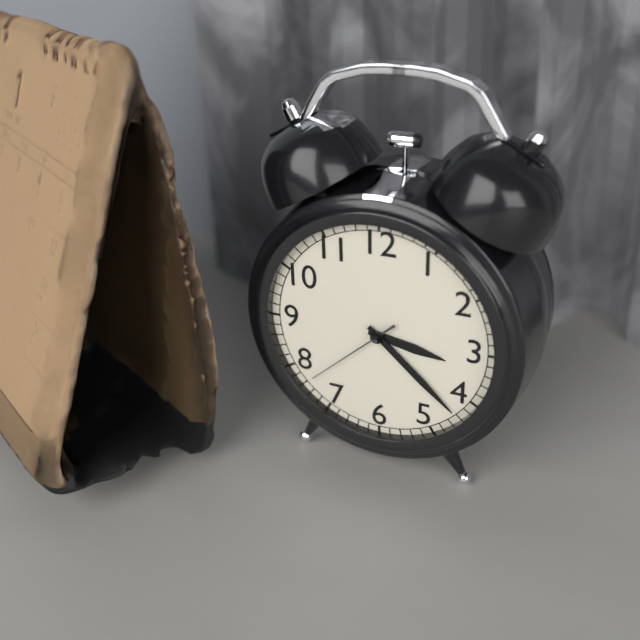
3:22:38
